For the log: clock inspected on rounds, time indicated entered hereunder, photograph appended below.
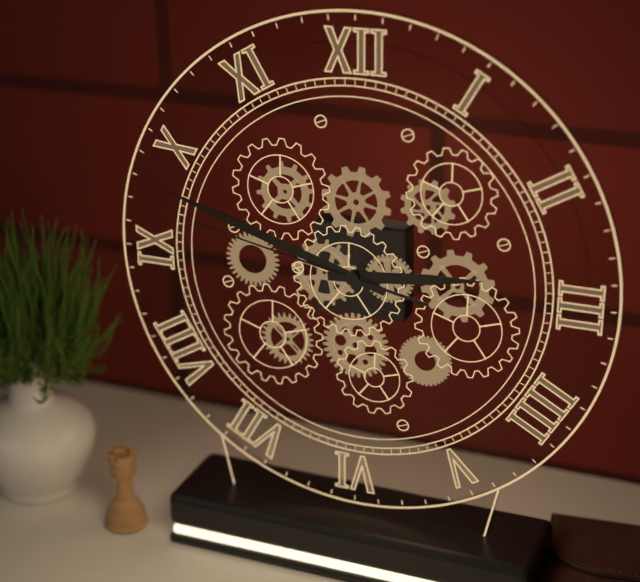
2:48:47
